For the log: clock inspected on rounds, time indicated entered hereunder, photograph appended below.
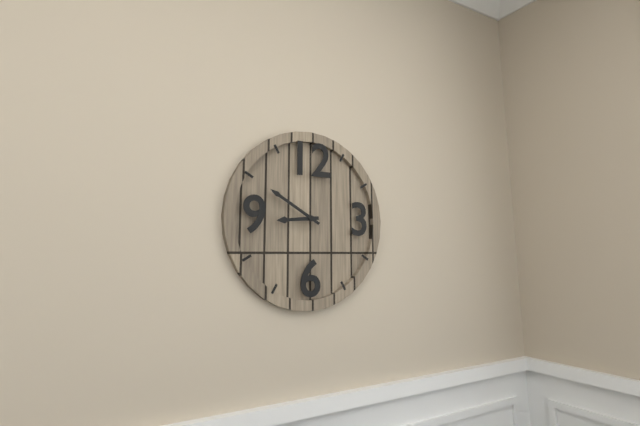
8:50
